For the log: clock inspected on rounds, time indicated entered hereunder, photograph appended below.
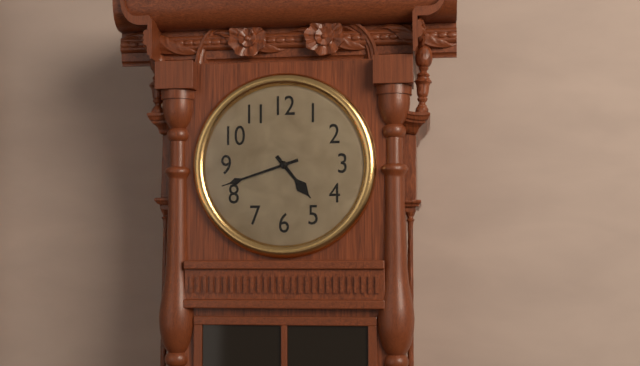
4:42
